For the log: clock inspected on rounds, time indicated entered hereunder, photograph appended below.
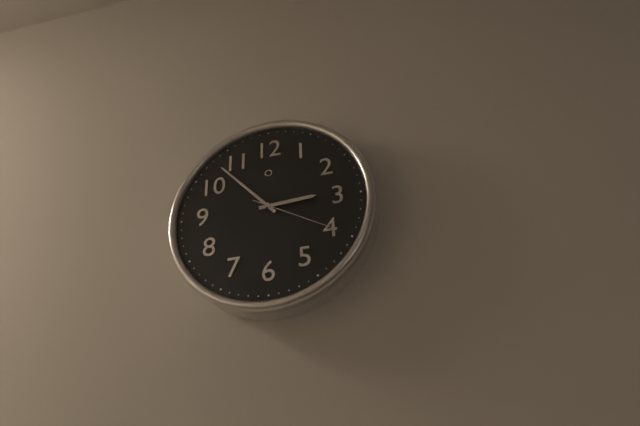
2:53:20
